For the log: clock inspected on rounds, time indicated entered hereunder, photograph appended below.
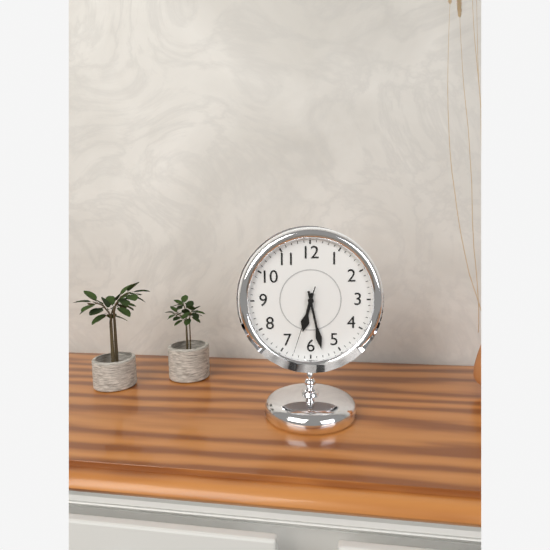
6:28:33
